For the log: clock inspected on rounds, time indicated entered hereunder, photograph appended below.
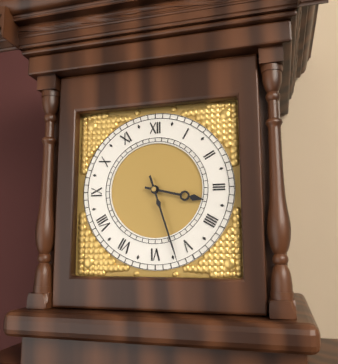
3:27
